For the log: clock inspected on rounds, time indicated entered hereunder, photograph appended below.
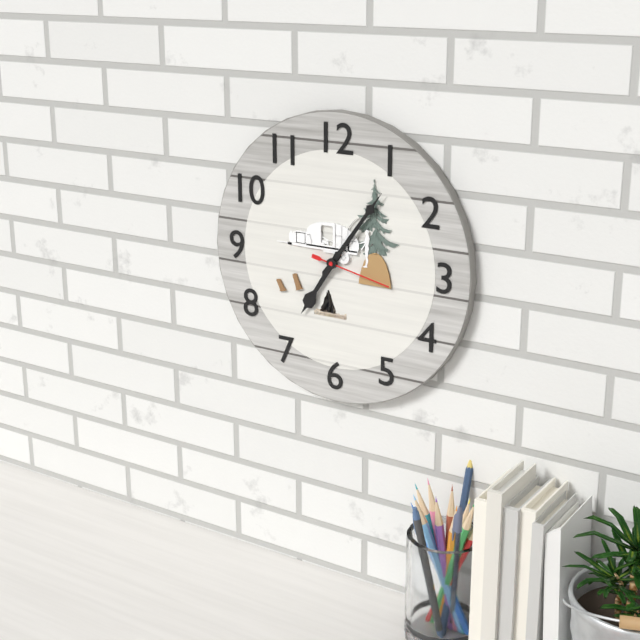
7:06:17
